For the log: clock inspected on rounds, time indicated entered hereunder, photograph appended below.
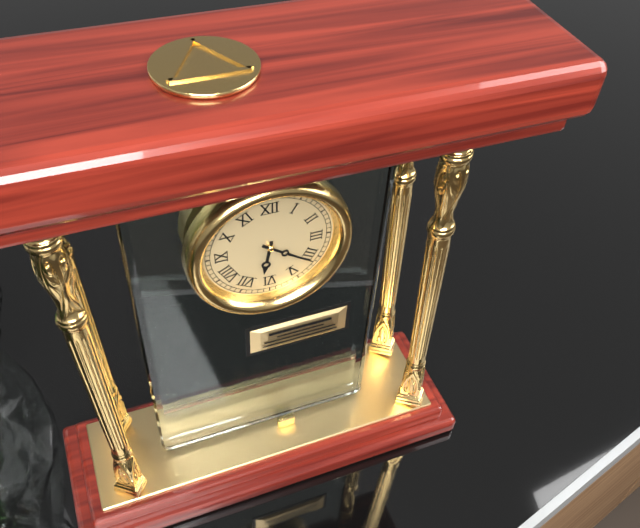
6:21
